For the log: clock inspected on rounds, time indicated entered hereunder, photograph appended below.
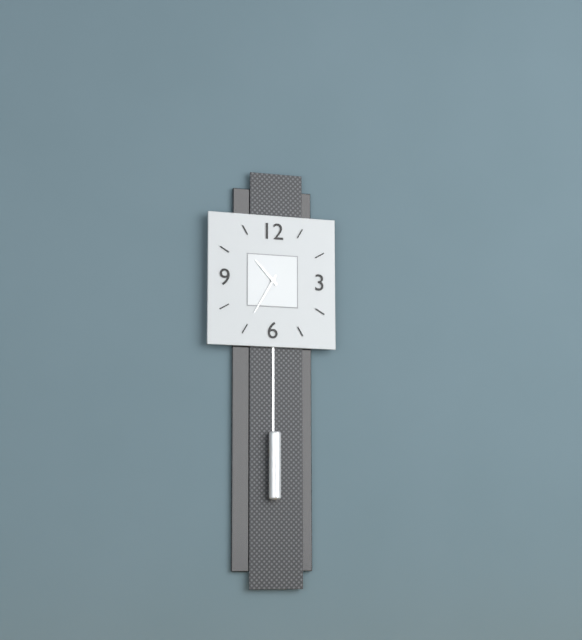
10:35
